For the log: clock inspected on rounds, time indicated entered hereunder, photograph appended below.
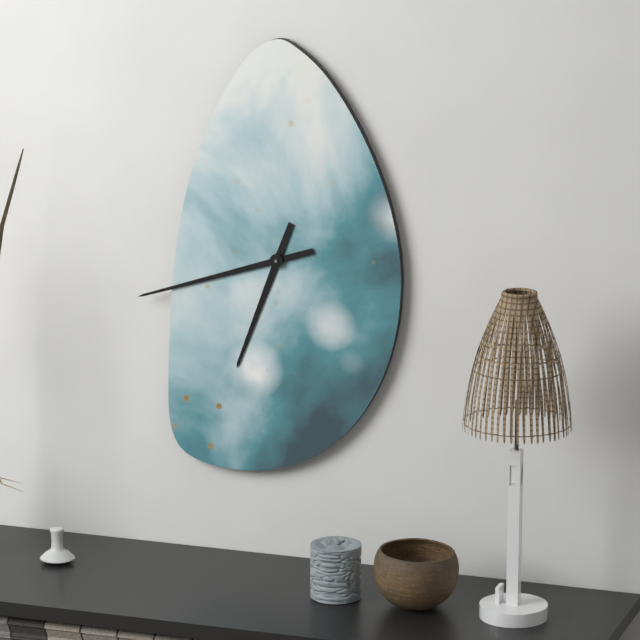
6:42
